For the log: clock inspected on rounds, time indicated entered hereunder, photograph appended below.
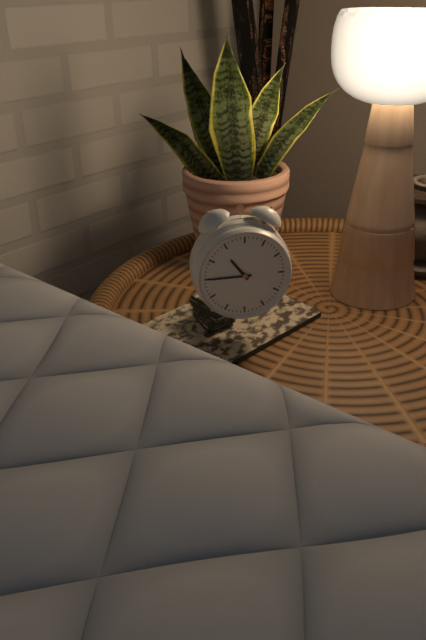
10:45
